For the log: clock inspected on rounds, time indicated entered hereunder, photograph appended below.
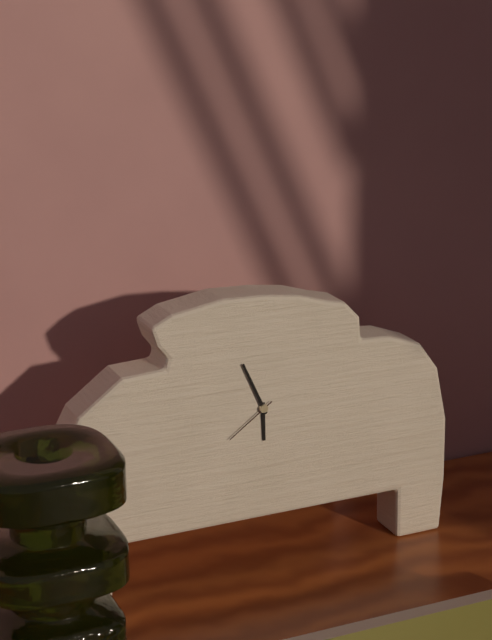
5:56:39
